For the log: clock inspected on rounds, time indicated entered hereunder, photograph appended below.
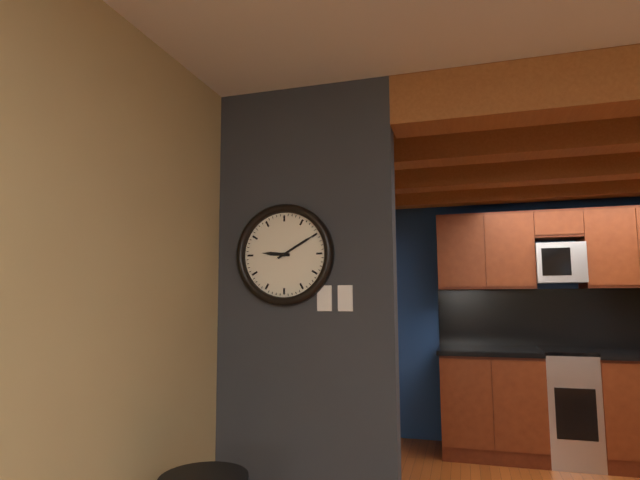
9:10
